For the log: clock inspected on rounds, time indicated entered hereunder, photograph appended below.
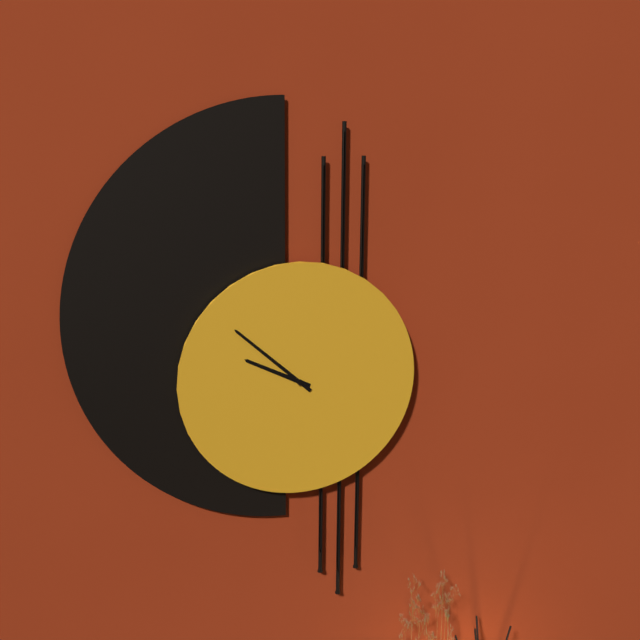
9:52
